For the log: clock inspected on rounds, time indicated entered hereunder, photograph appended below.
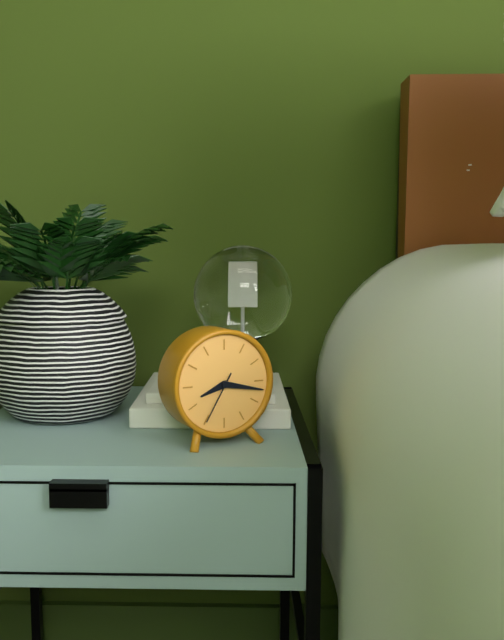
8:17:35
